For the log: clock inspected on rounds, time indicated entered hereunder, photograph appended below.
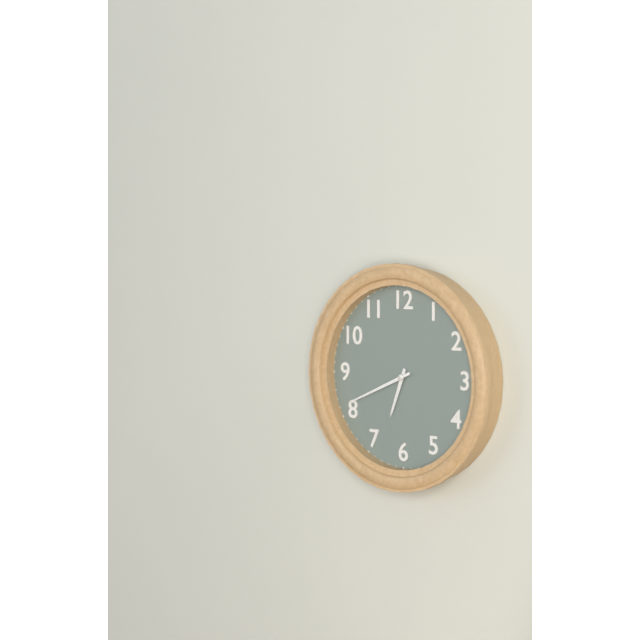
6:41
